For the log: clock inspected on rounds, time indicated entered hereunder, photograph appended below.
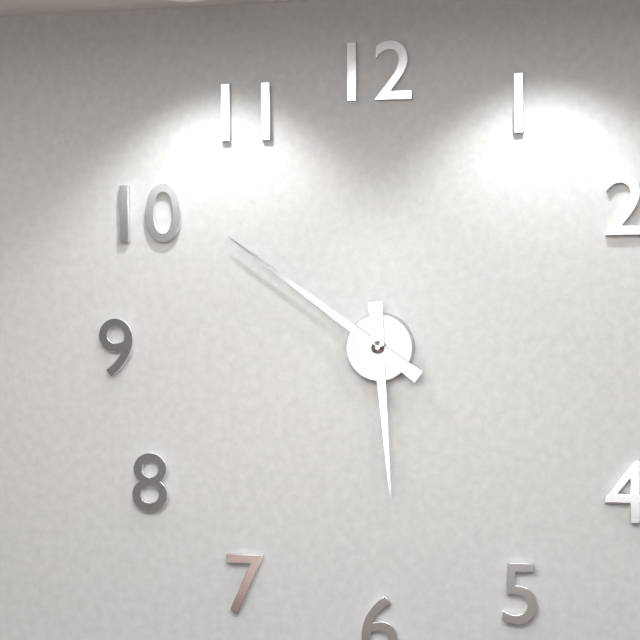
5:51
